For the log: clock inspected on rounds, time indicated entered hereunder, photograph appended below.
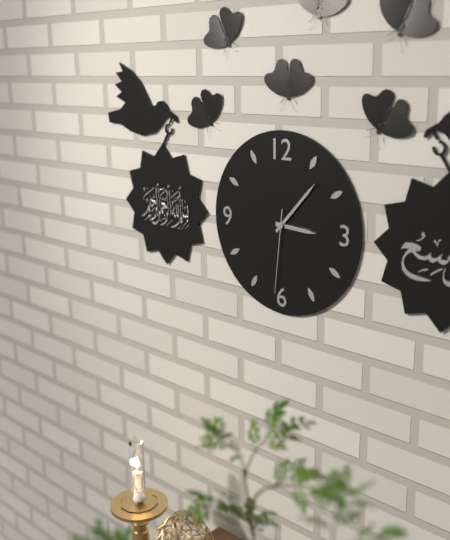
3:07:31
